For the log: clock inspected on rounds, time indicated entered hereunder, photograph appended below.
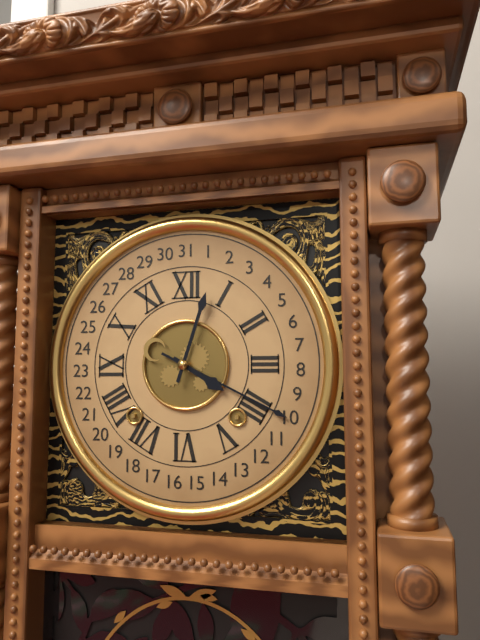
4:03
